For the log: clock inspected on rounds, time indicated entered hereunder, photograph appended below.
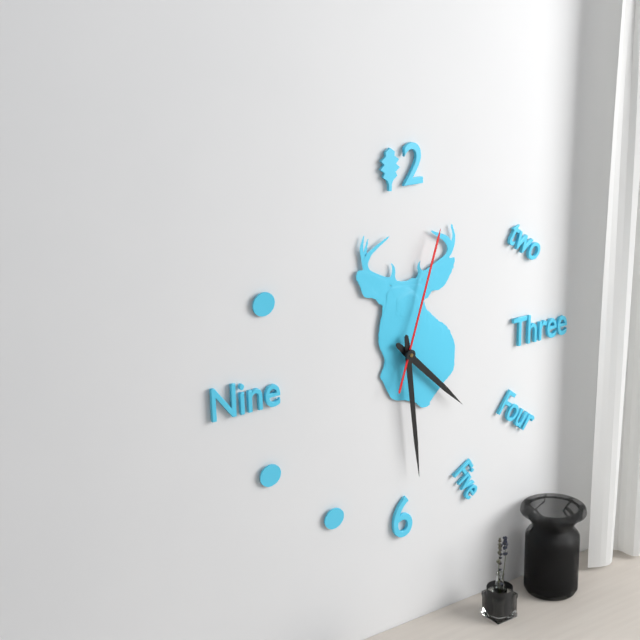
4:29:03
